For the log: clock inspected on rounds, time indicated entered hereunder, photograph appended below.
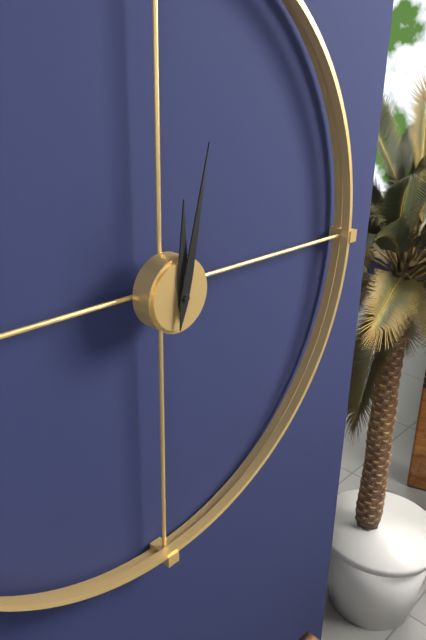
12:02
